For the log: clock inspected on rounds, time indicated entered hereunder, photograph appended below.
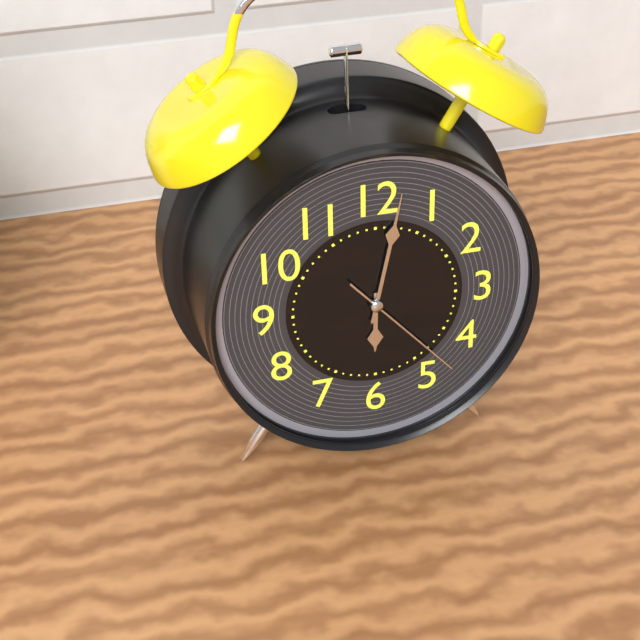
6:02:23
